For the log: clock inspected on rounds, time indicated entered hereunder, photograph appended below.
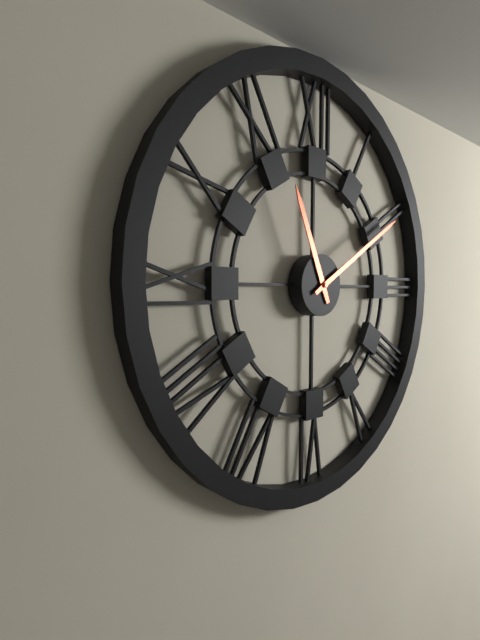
11:10
